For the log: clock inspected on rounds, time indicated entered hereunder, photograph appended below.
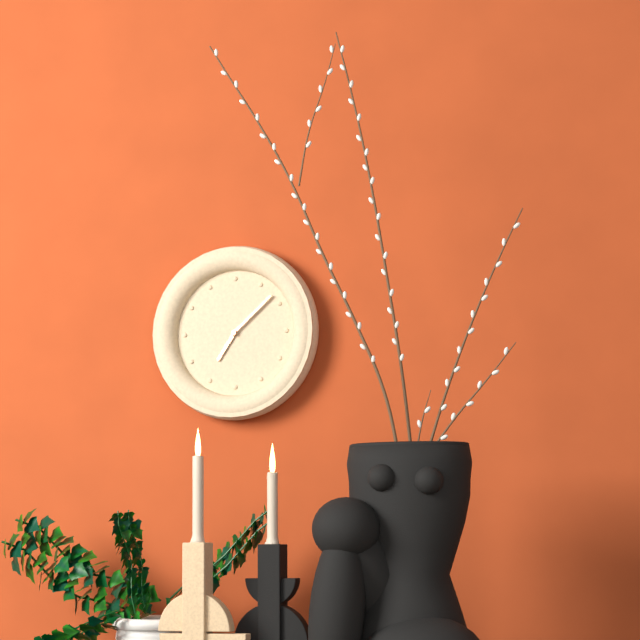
7:08
